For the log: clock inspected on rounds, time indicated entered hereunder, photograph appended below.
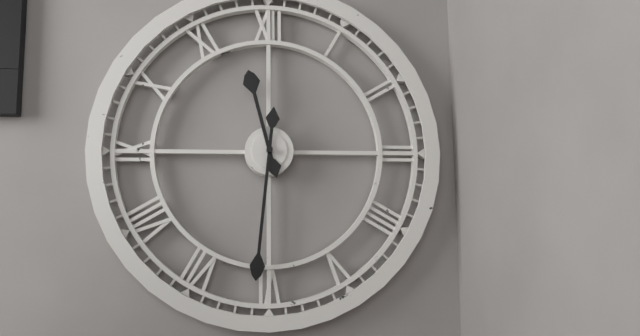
11:31
